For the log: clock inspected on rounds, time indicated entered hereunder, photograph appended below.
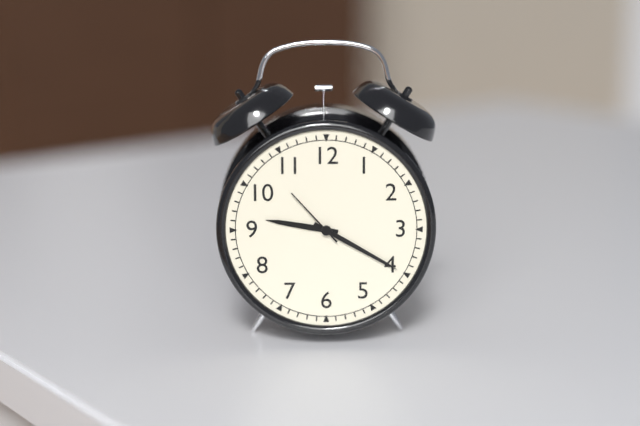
9:20:53
